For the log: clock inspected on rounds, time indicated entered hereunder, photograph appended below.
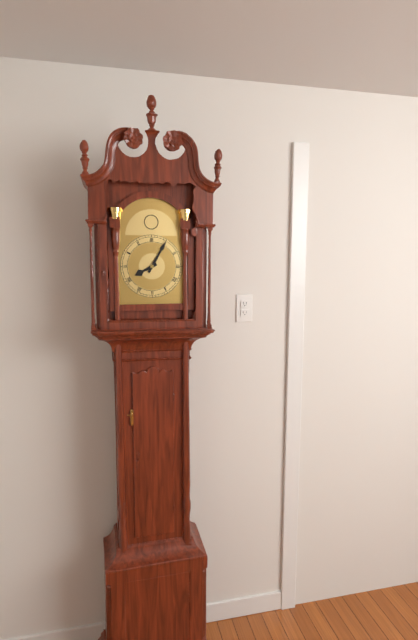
8:05
